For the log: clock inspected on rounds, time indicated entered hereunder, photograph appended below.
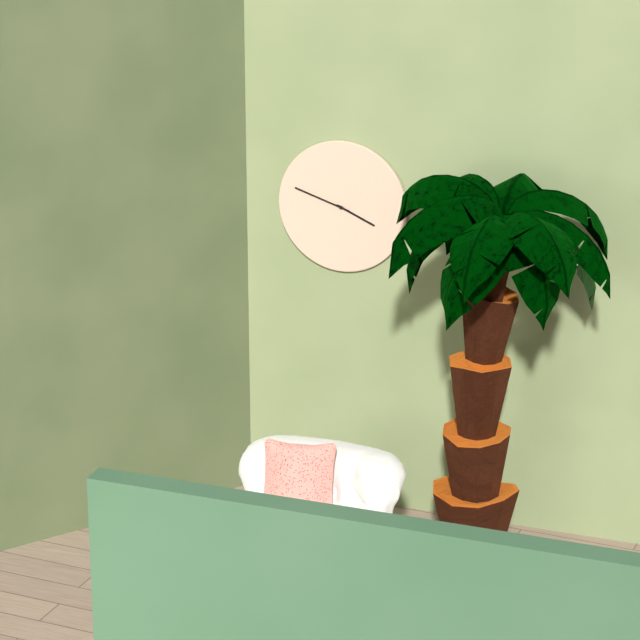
3:48
